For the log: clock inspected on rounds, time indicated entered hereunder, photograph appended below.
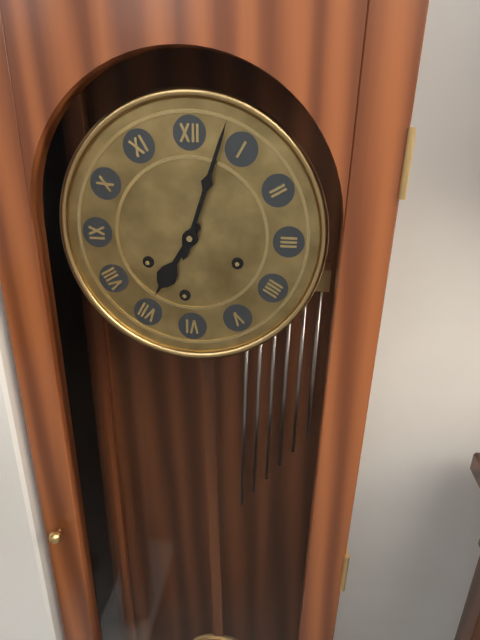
7:03
